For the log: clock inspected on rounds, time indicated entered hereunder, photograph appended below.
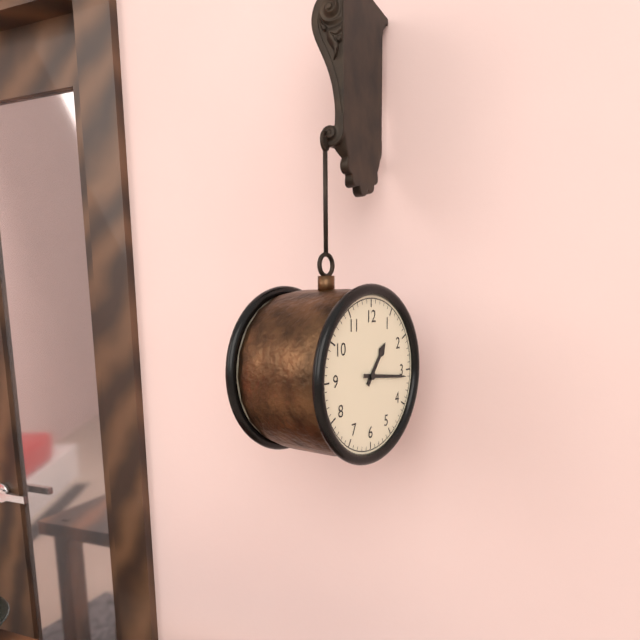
1:16
